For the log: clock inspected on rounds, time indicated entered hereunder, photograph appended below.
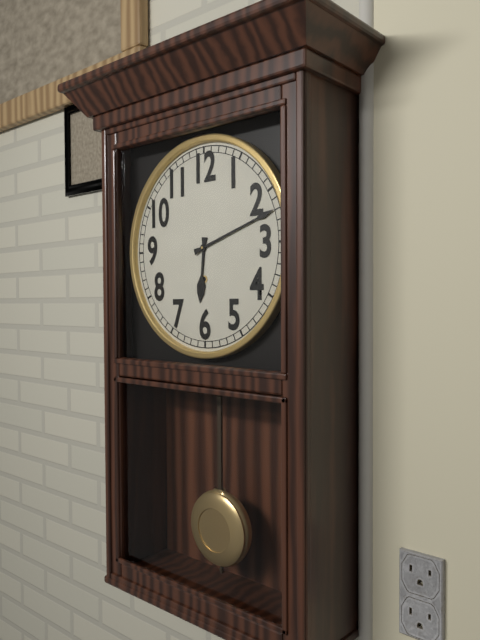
6:12
